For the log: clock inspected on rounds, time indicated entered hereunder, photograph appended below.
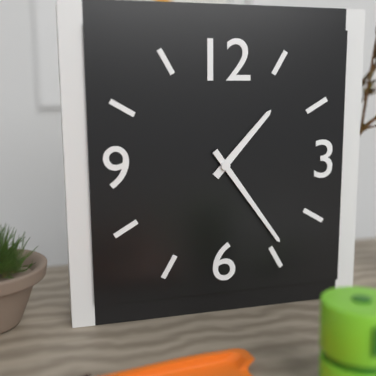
1:24
